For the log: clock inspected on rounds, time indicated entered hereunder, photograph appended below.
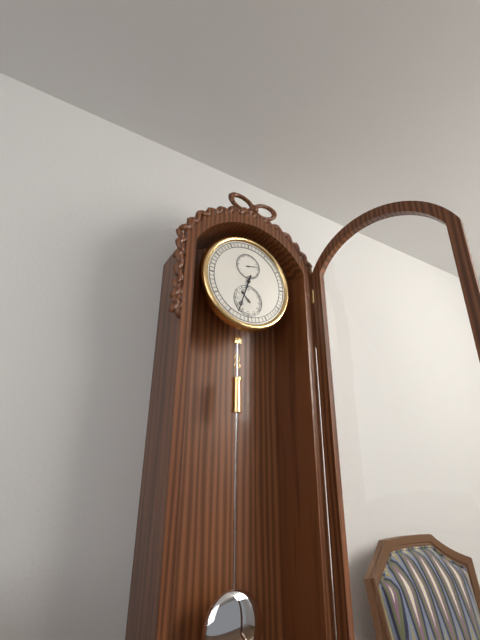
10:33
